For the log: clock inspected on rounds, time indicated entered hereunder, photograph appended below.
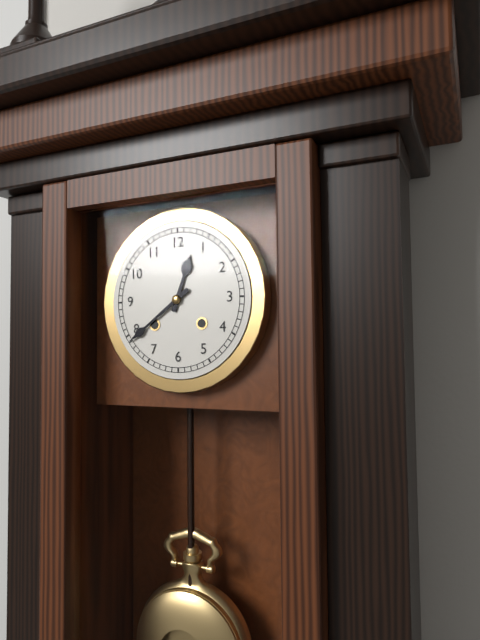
12:39
